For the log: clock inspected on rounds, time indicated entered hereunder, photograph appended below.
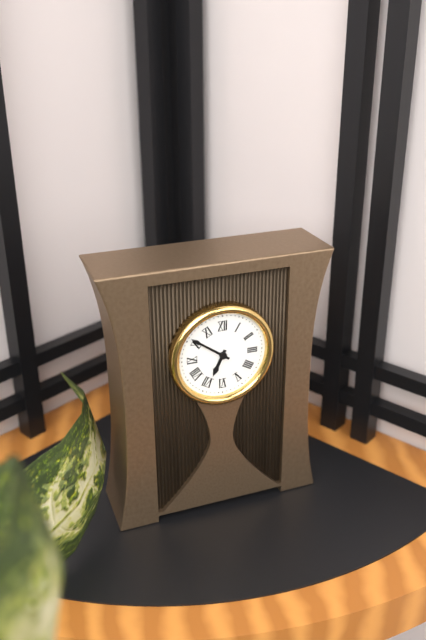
6:51
